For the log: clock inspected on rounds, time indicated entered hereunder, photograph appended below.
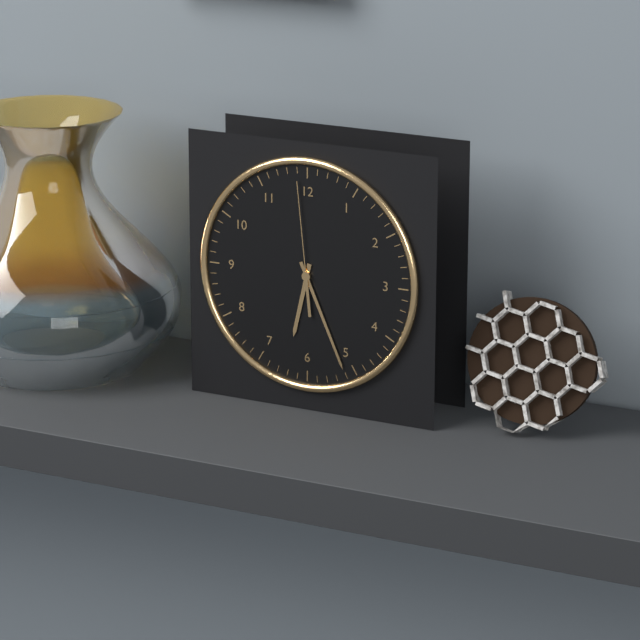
6:26:59
